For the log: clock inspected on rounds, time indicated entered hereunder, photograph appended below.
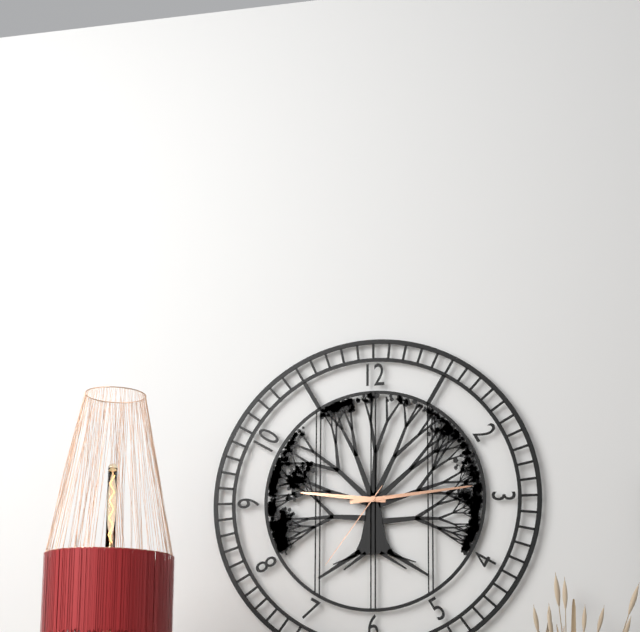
9:14:36
